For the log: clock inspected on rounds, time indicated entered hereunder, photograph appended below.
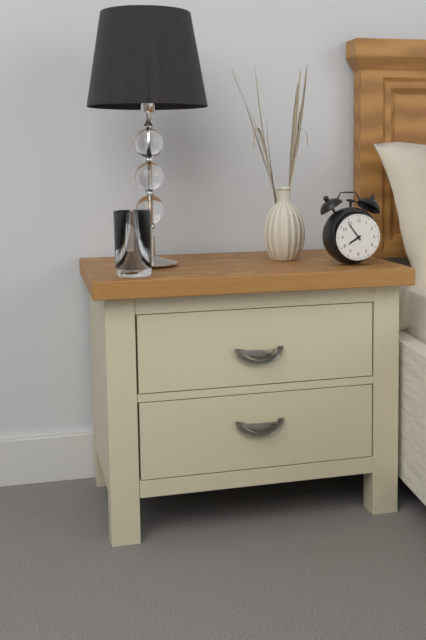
7:54
